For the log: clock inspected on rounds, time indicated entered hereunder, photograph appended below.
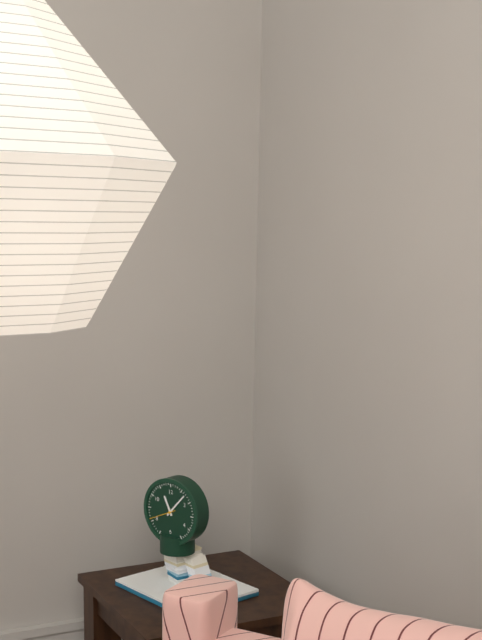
11:07
